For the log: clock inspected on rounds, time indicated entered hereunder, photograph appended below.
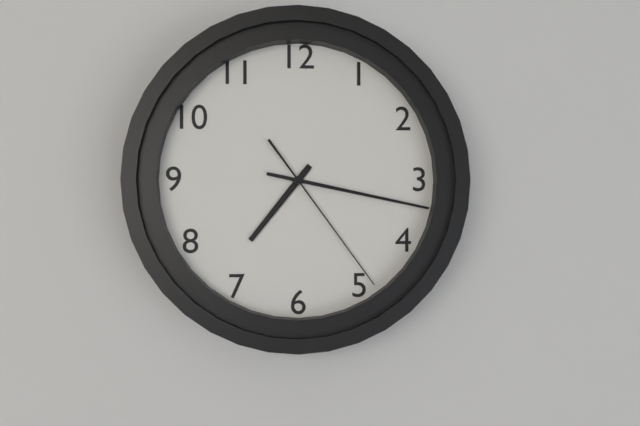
7:17:24
